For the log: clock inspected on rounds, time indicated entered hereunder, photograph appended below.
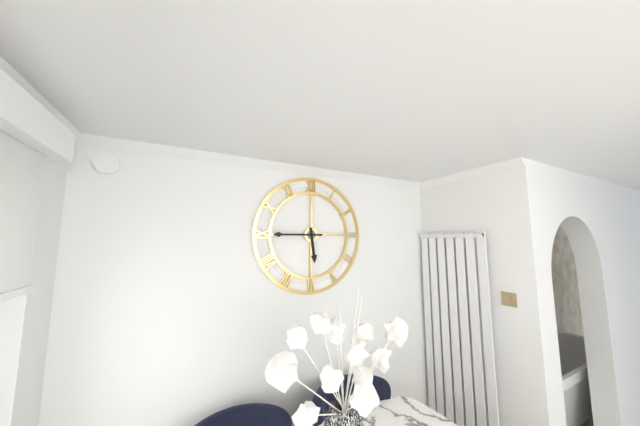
5:45
